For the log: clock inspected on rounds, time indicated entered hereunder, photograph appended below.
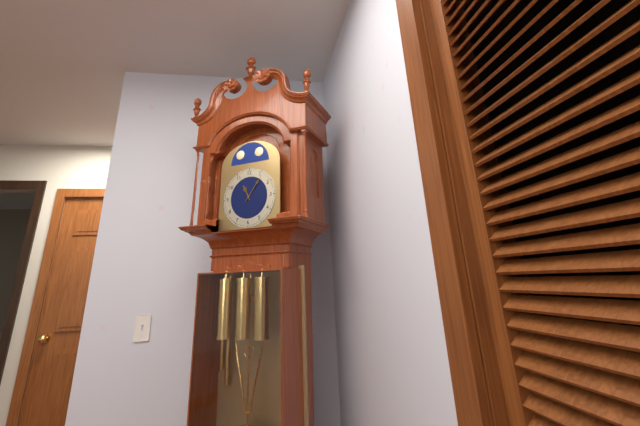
11:06
